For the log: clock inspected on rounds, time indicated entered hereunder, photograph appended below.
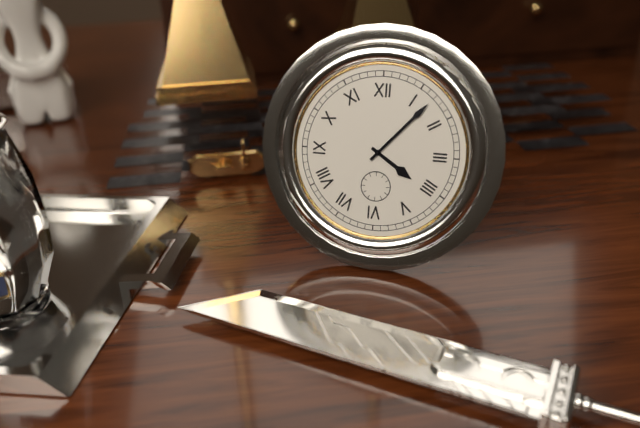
4:07
